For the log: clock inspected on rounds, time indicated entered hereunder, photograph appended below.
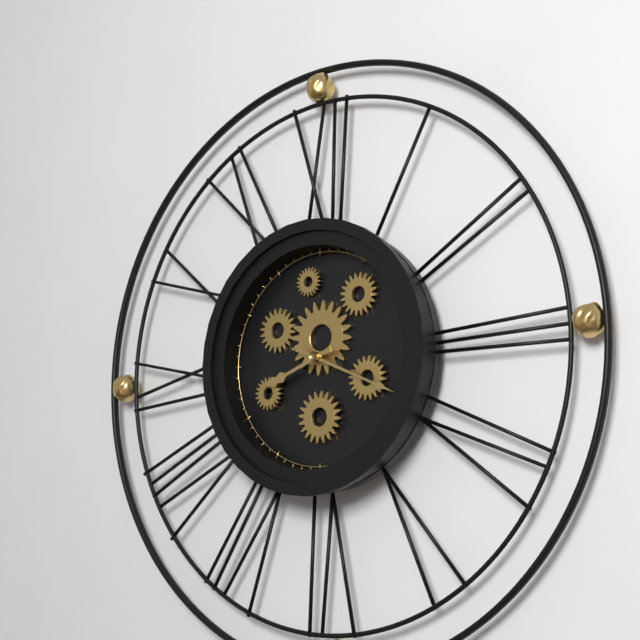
8:19
